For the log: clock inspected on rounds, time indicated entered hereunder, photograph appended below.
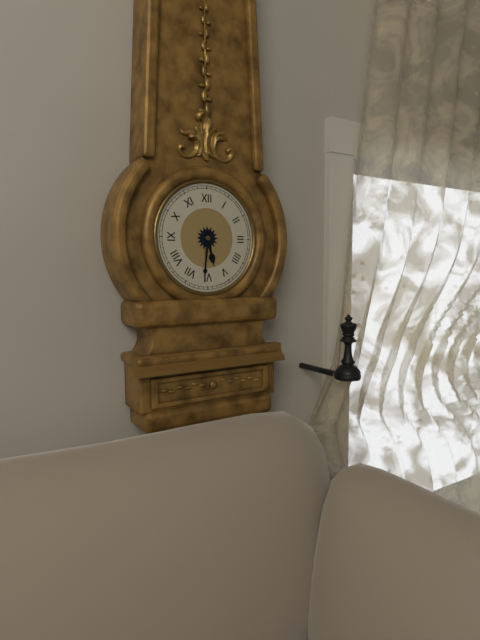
5:31
